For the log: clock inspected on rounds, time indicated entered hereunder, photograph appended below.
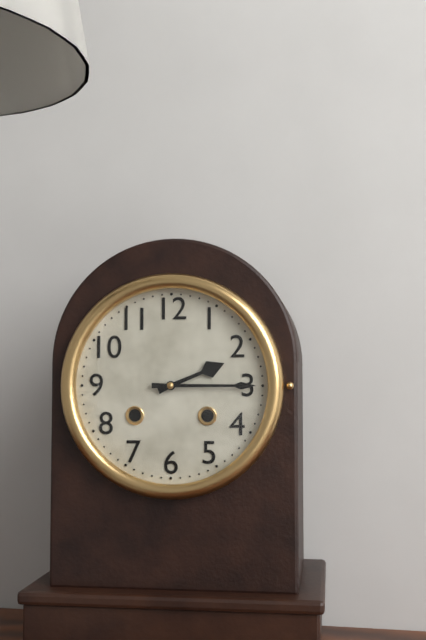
2:15
